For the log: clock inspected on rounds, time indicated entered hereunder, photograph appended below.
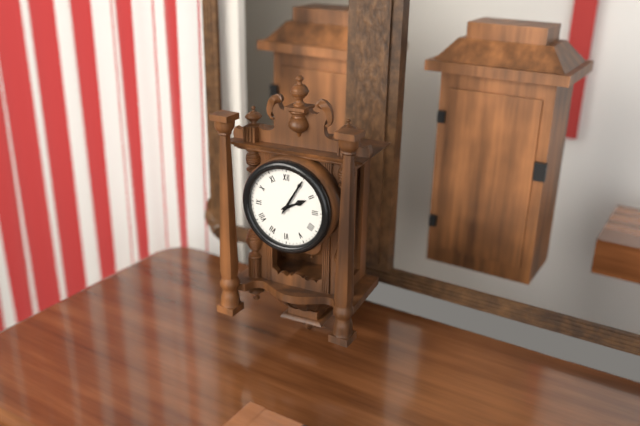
2:05
